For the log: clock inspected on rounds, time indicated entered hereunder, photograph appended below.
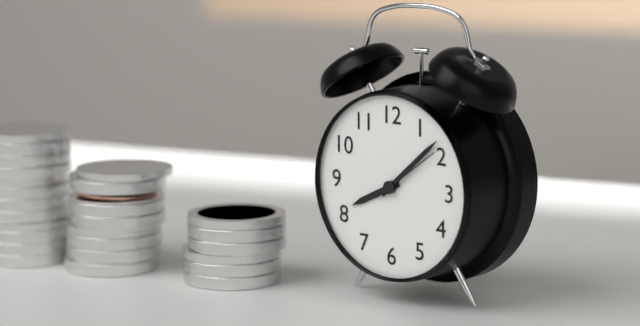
8:08:09
